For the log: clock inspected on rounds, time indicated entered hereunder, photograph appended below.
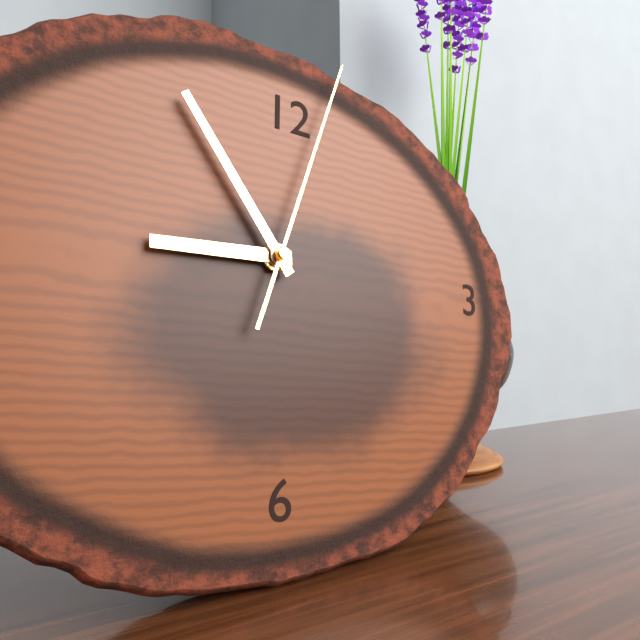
8:54:03
